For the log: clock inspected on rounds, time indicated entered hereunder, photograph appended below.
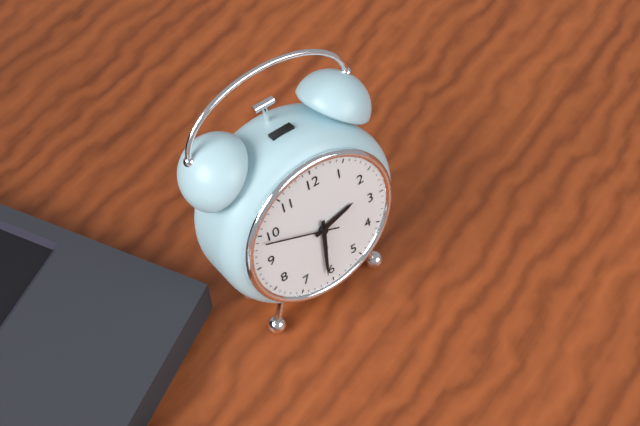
2:31:49
